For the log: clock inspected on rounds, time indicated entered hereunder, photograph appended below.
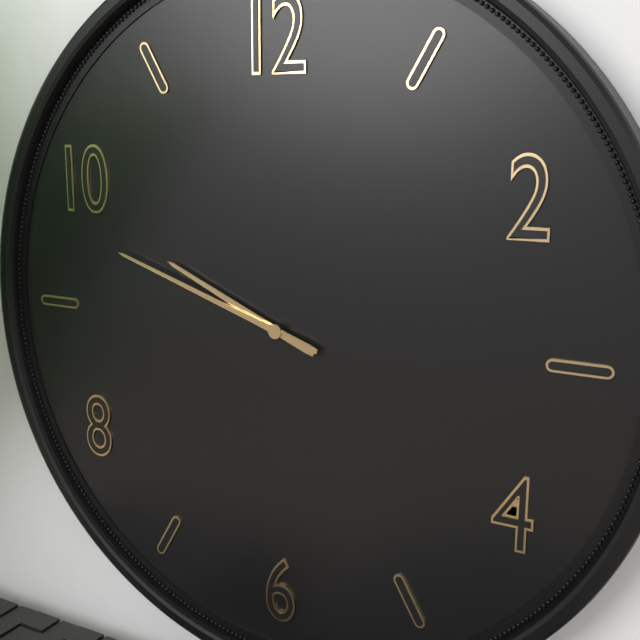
9:48
